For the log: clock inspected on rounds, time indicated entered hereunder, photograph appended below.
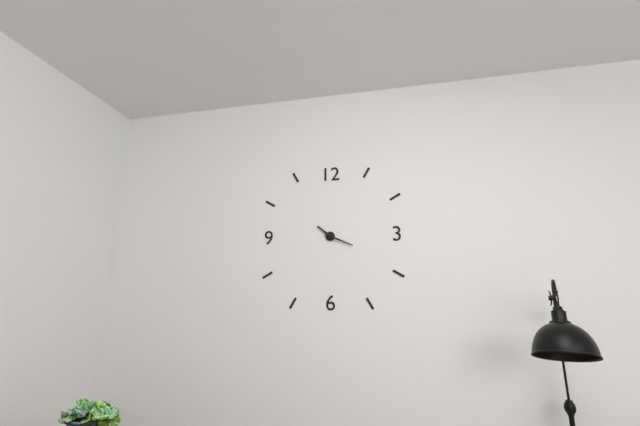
10:19
